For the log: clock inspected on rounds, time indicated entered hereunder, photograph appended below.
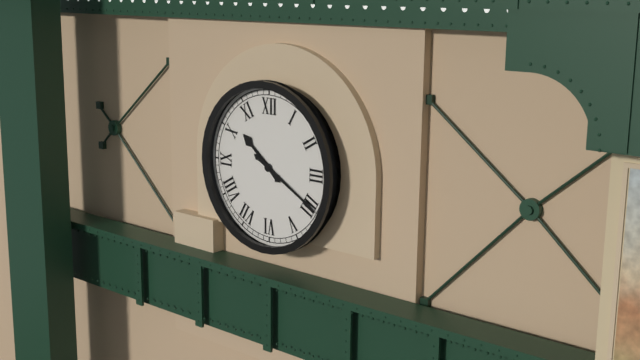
10:20
